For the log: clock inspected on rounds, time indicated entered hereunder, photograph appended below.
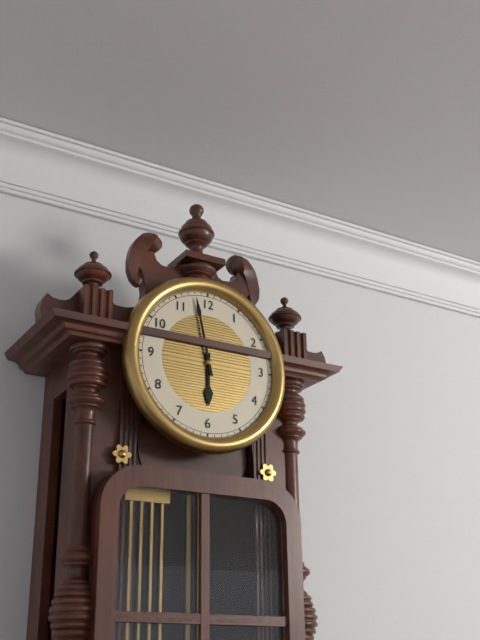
5:58
